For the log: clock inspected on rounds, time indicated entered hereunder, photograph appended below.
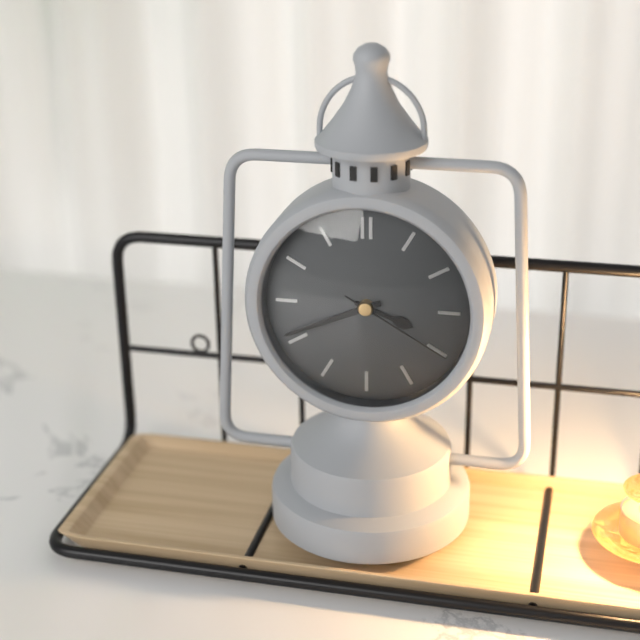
3:41:20
